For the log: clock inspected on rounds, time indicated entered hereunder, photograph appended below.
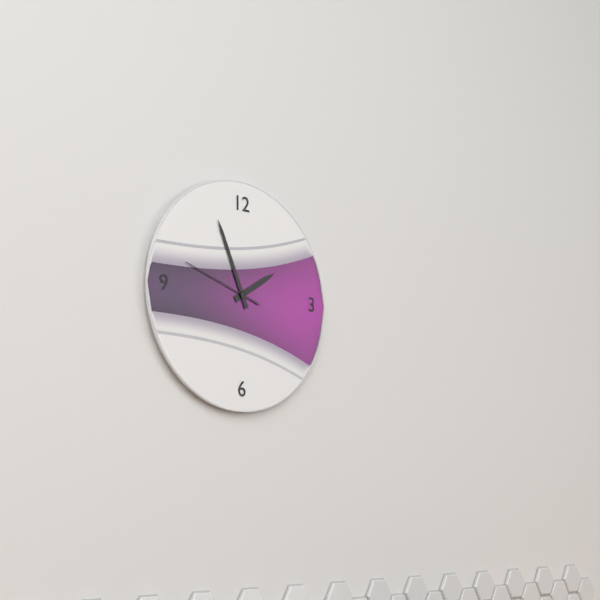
1:56:48
